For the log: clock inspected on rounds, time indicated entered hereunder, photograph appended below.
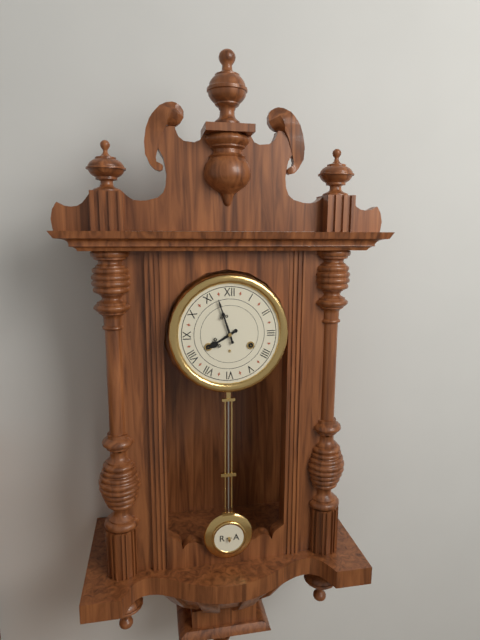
7:57
